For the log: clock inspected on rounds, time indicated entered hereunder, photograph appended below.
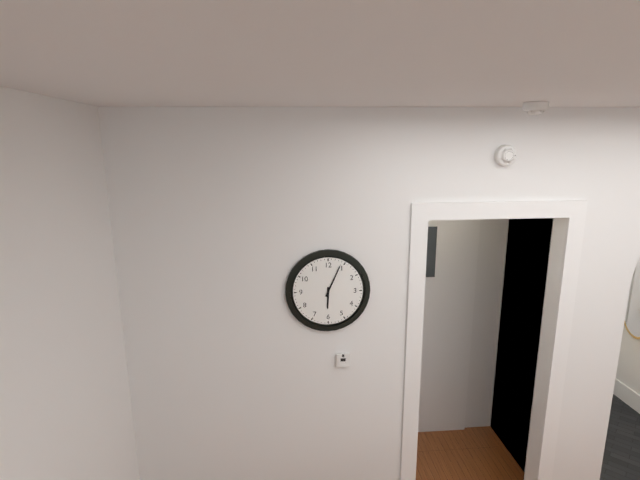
6:04
